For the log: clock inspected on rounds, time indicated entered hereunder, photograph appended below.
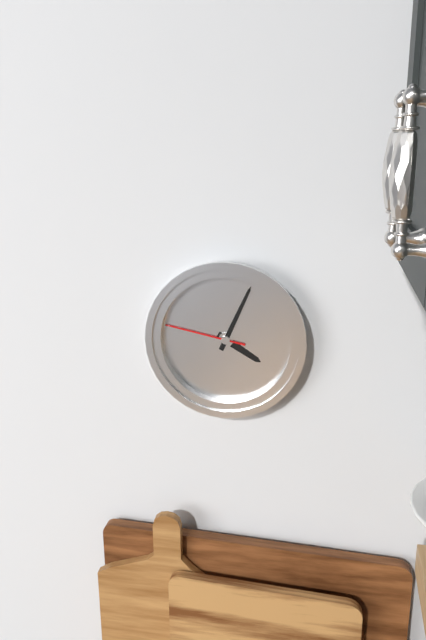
4:04:47
